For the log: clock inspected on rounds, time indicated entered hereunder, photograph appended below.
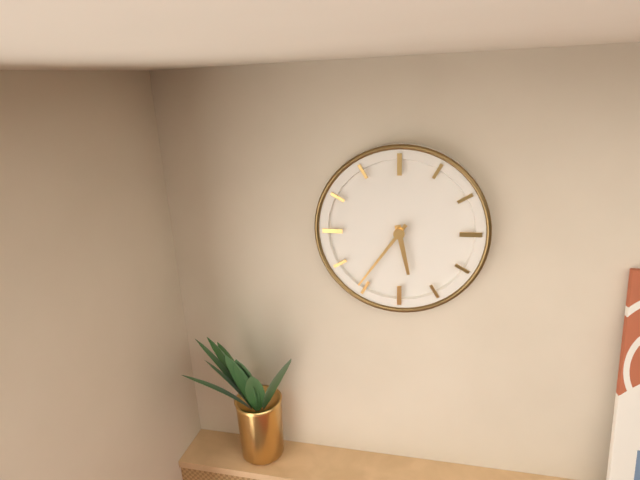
5:36
